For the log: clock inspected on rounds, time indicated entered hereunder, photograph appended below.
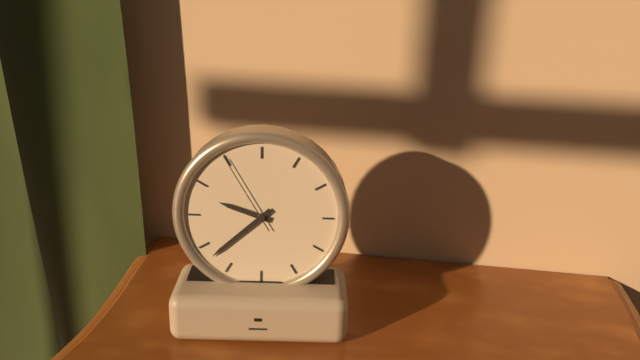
9:38:55
